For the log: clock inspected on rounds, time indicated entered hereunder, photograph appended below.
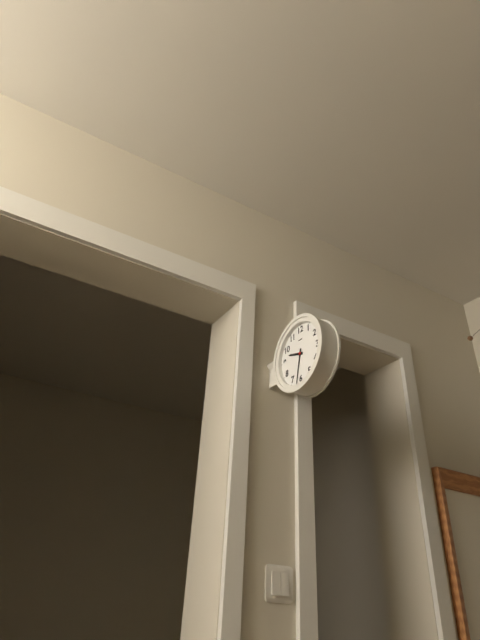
9:32
